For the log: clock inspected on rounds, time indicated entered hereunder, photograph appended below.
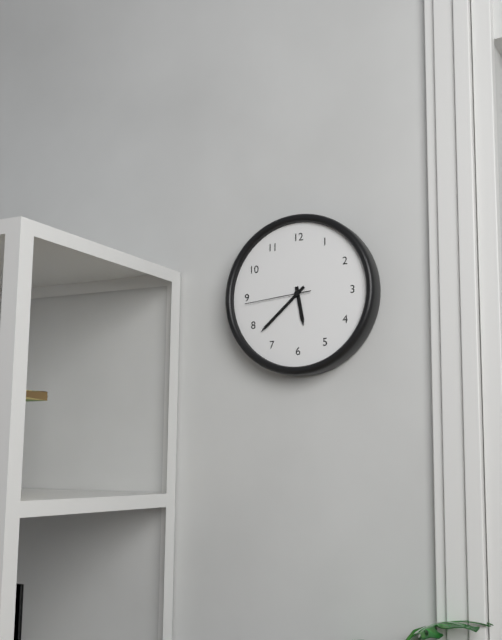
5:38:44
